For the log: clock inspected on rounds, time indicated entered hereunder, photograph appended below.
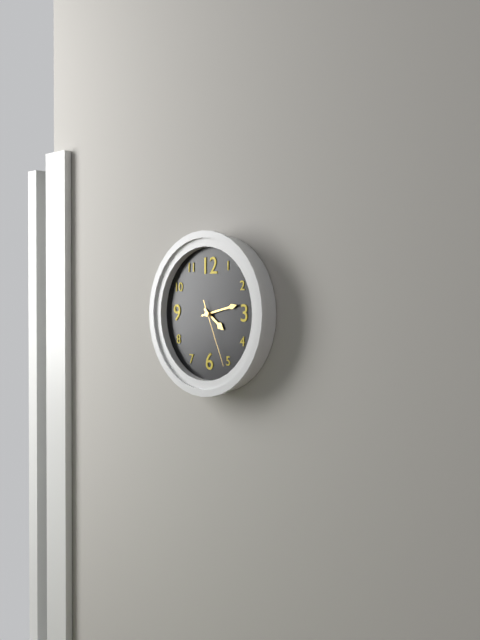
4:13:26
